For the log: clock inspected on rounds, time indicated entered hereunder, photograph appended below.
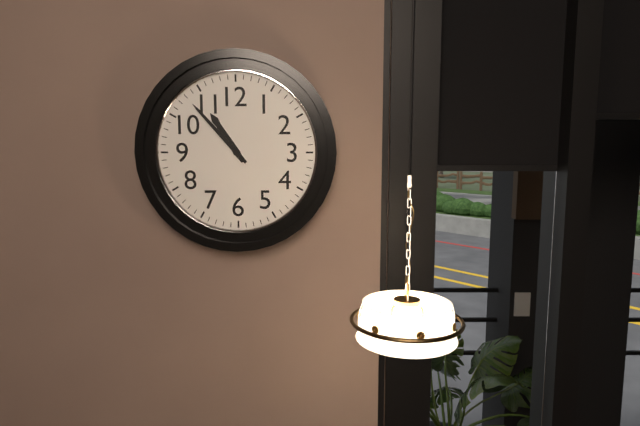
10:53
